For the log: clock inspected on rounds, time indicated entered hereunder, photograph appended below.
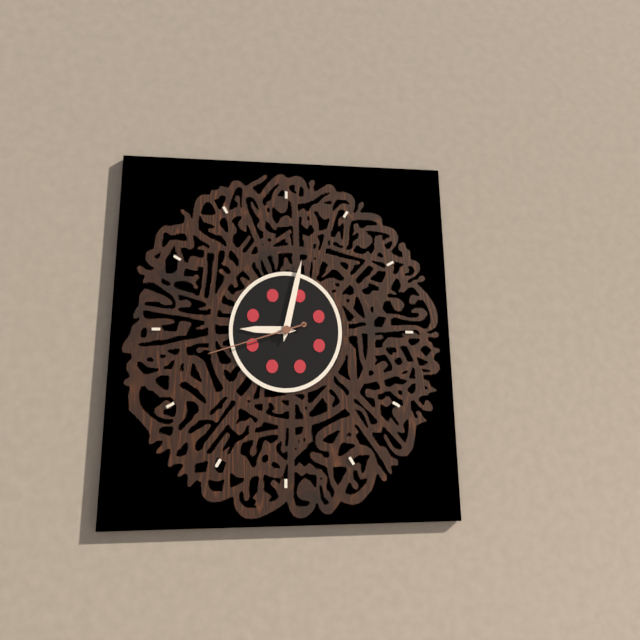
9:02:42
